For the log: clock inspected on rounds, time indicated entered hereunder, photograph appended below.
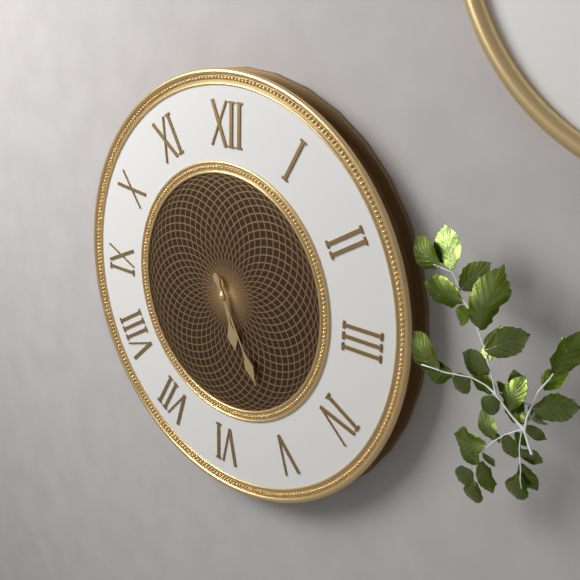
5:25
